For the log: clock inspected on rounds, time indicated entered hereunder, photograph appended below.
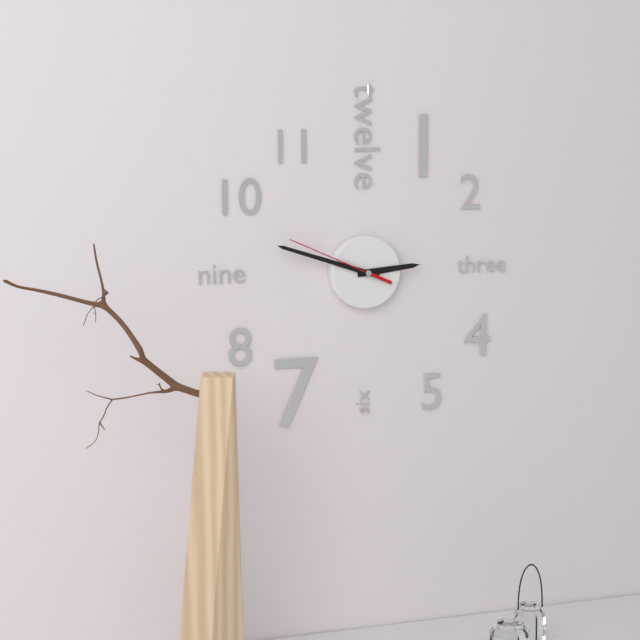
2:48:49
